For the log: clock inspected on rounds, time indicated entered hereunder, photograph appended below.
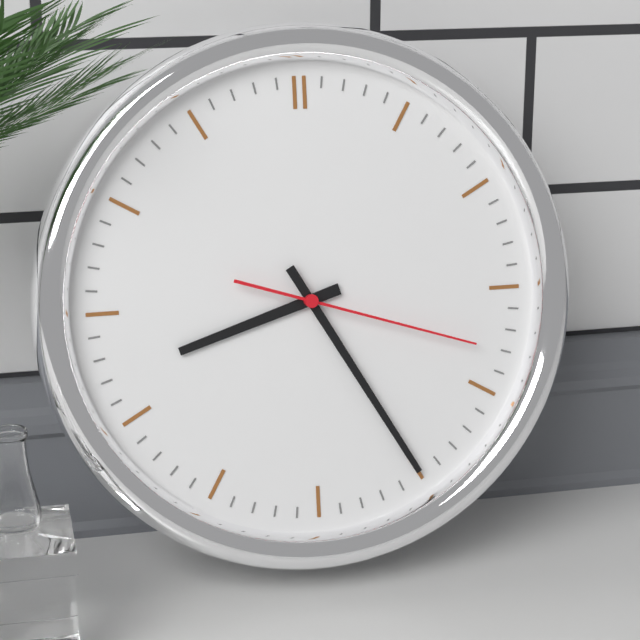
8:25:18
